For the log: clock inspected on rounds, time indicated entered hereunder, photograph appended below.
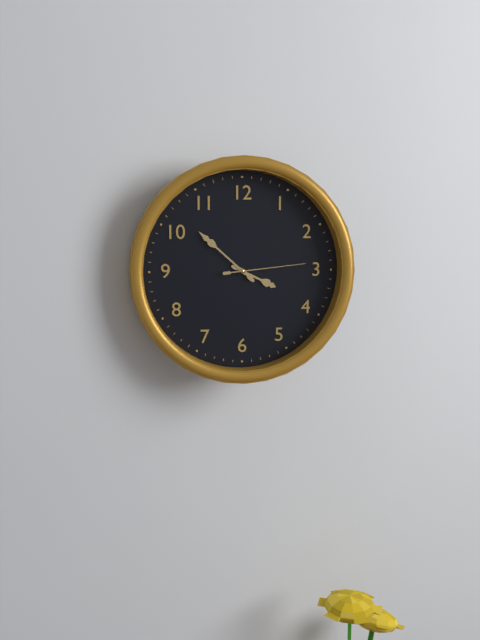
3:52:14
